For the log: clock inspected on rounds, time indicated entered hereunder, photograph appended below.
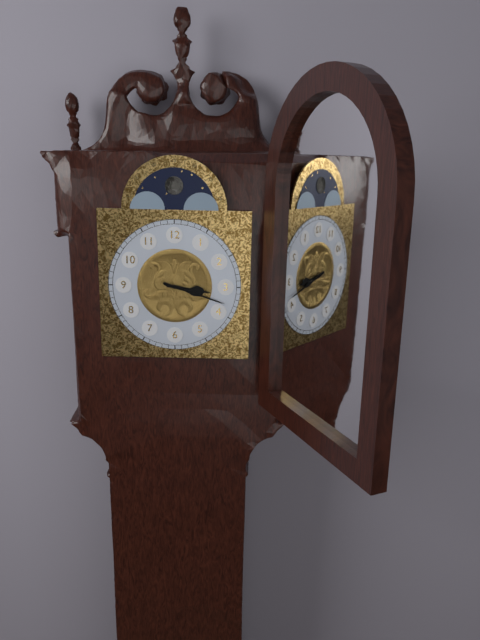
3:18
